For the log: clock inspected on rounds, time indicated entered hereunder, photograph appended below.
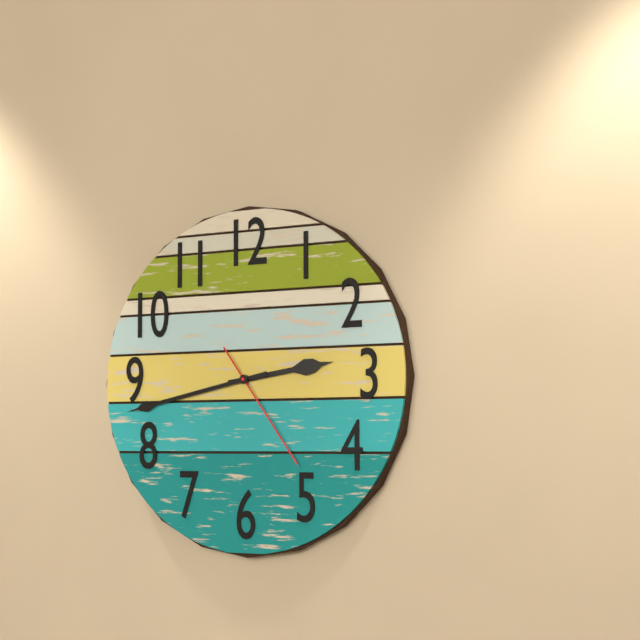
2:43:24
